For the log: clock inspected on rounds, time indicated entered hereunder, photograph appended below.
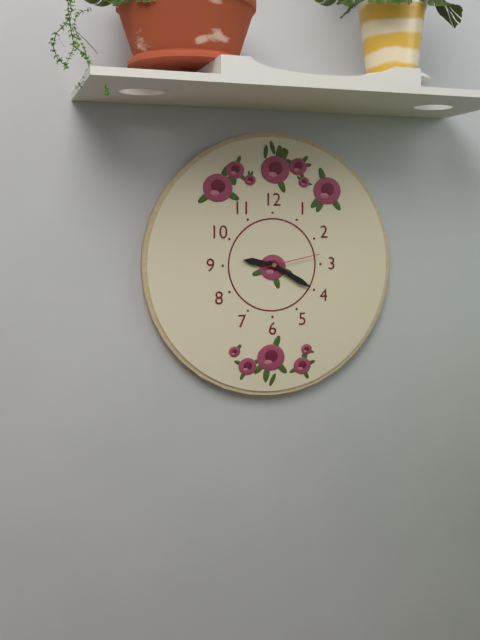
9:20:13
